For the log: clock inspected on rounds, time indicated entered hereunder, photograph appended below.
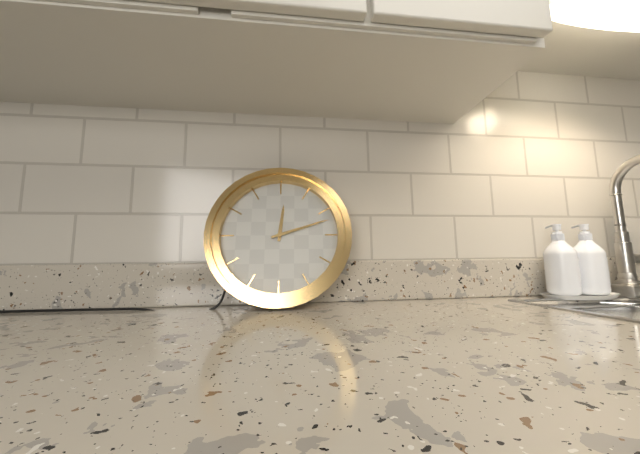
12:12
